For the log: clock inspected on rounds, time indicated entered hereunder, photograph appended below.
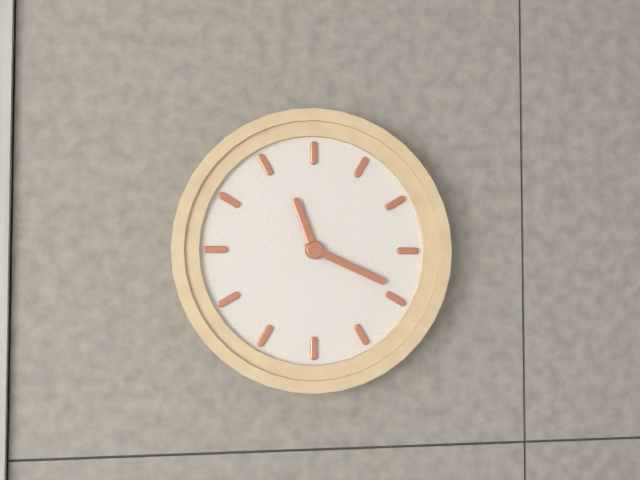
11:19
